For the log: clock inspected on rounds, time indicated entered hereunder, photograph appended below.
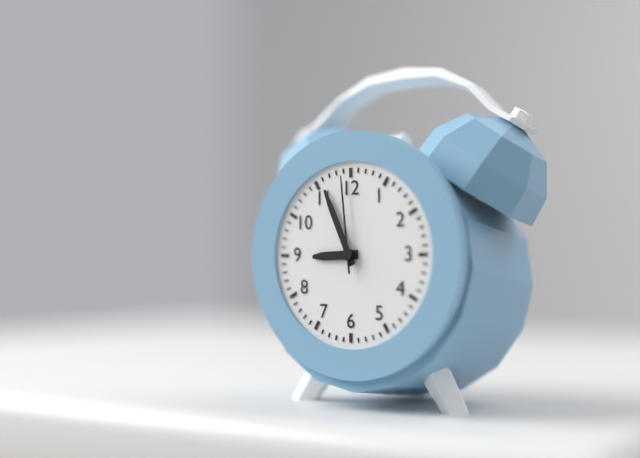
8:56:59
